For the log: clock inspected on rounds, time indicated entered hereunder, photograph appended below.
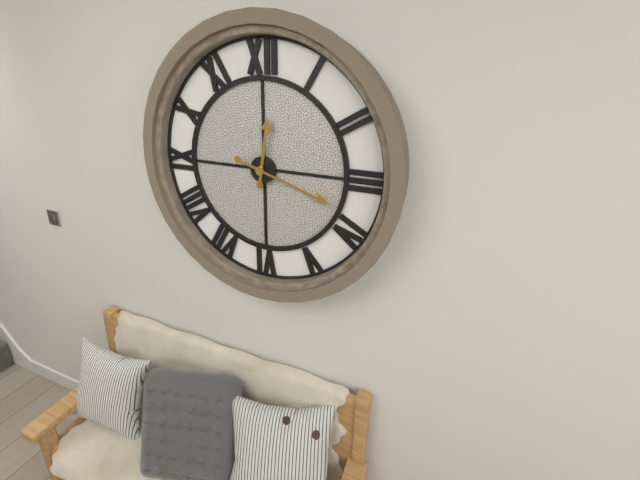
12:18
